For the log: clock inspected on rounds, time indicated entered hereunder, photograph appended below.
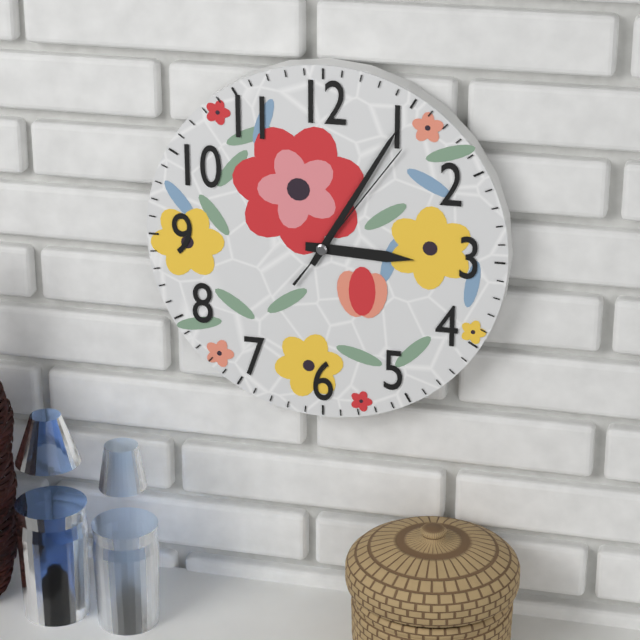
3:05:06
